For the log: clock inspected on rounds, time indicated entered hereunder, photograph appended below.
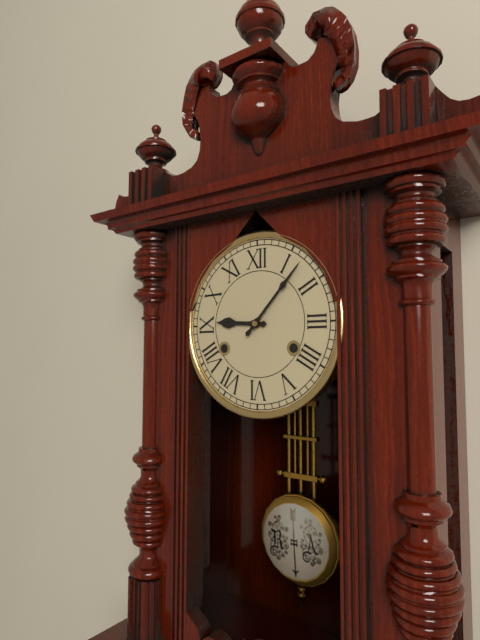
9:07
